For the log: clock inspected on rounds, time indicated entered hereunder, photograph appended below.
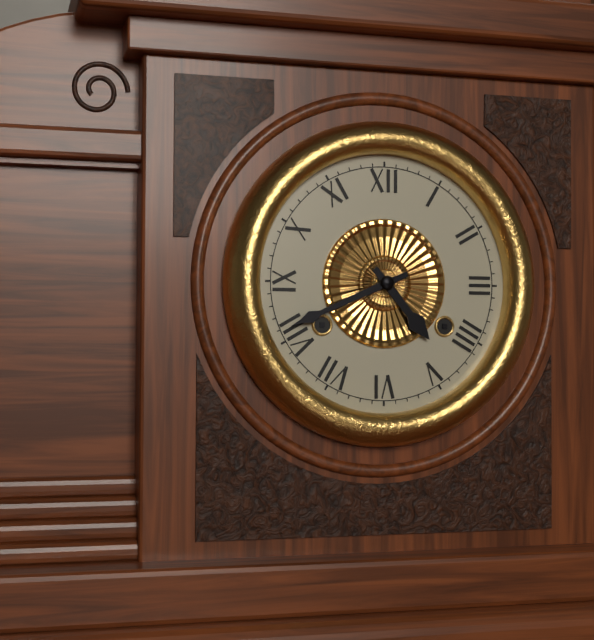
4:41
